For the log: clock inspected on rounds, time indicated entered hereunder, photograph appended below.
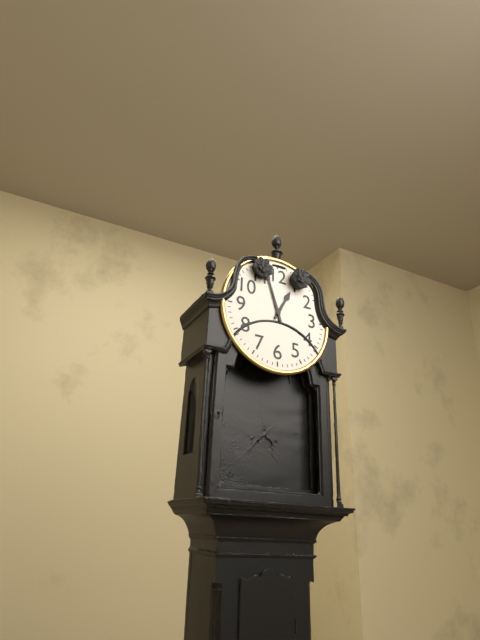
12:57
